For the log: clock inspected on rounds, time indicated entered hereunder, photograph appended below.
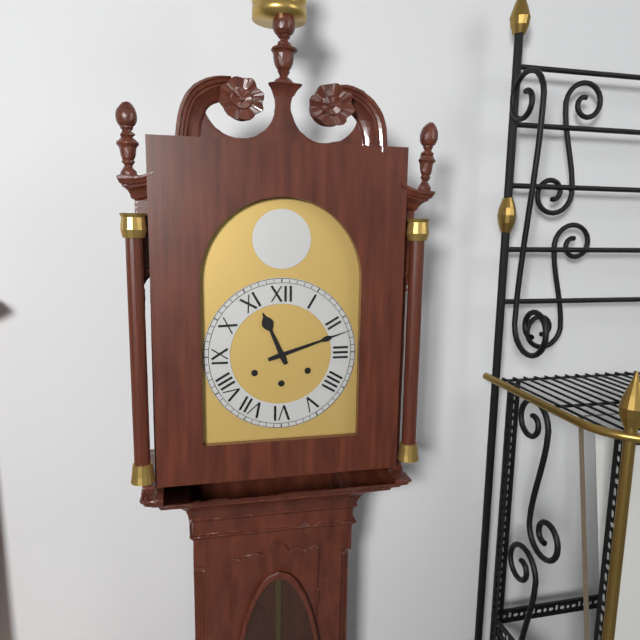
11:12
